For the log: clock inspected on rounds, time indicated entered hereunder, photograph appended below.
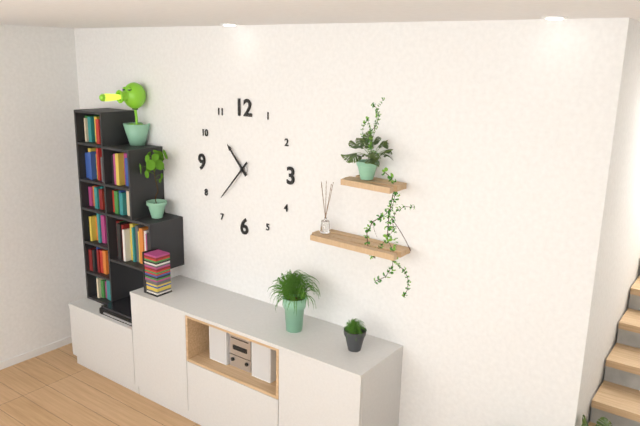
10:37
